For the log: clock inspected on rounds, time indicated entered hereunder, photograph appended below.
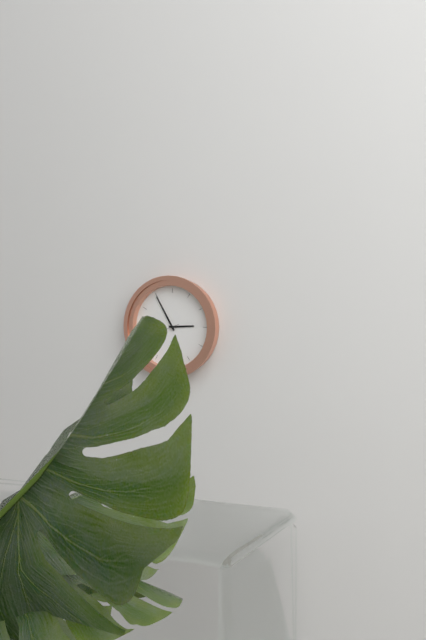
2:55
